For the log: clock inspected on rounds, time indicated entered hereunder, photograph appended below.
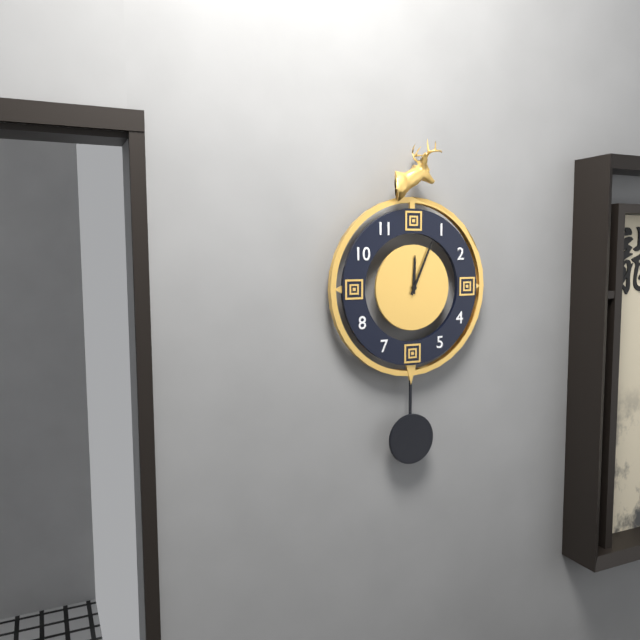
12:04
